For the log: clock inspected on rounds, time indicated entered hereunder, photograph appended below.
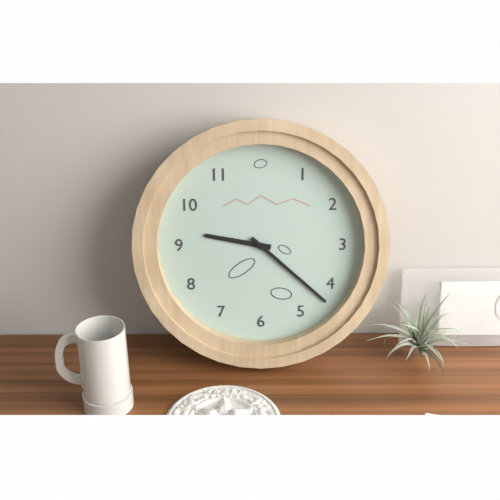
9:22
